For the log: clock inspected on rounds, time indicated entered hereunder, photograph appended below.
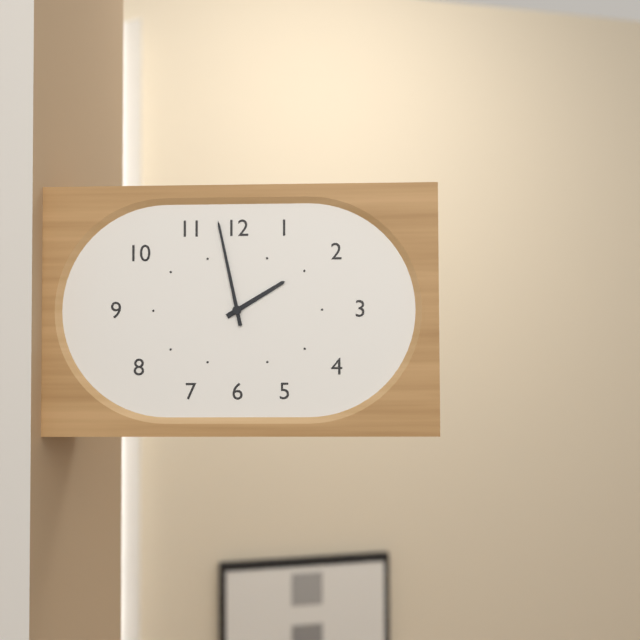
1:58
